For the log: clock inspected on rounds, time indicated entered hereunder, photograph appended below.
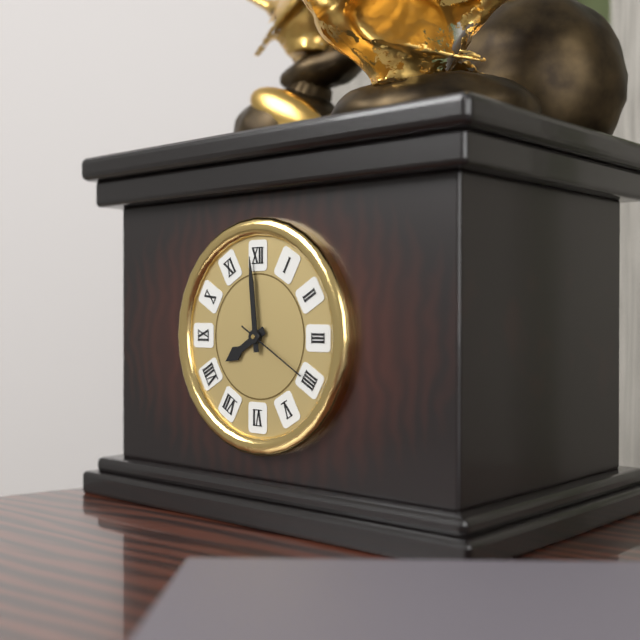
7:59:20
